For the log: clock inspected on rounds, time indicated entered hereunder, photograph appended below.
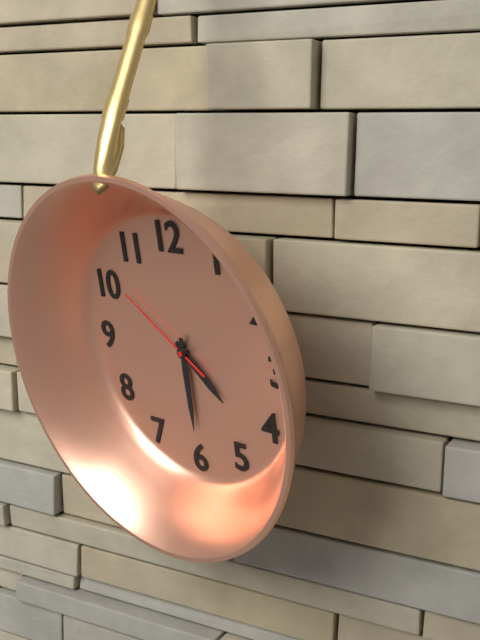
4:30:51
